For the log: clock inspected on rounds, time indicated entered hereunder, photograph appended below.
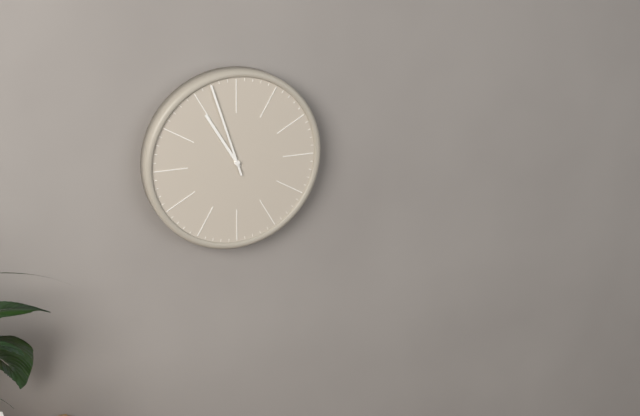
10:57
